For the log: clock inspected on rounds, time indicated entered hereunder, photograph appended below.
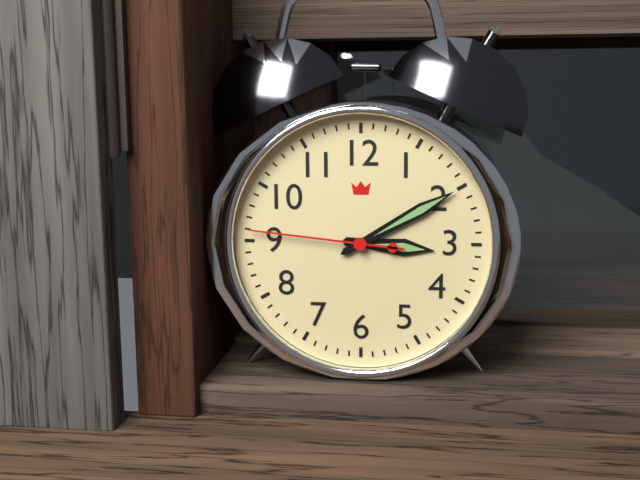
3:10:46
